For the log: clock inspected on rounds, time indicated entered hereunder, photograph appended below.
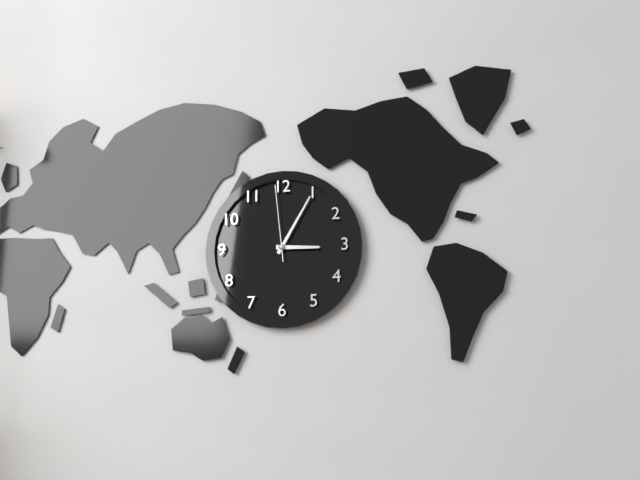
3:05:59
